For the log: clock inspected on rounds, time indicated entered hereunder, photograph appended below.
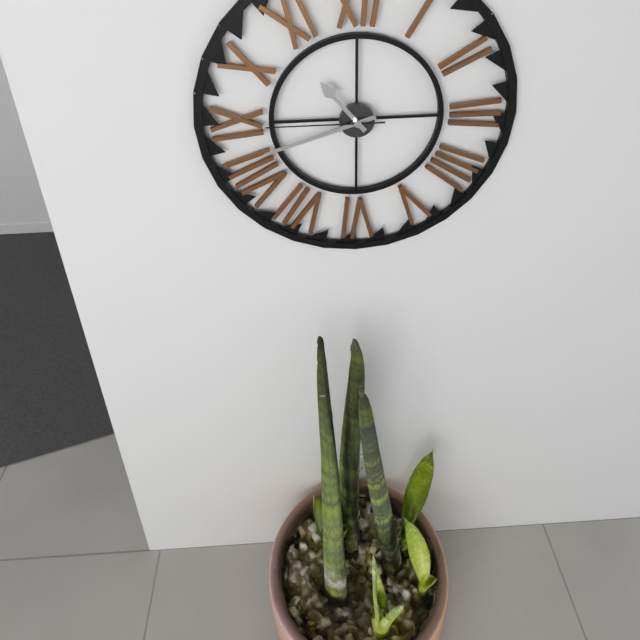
10:42:45
